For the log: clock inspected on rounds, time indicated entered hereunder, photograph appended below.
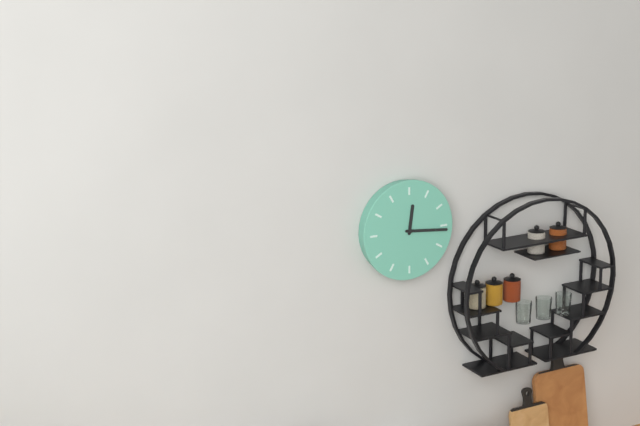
12:16
